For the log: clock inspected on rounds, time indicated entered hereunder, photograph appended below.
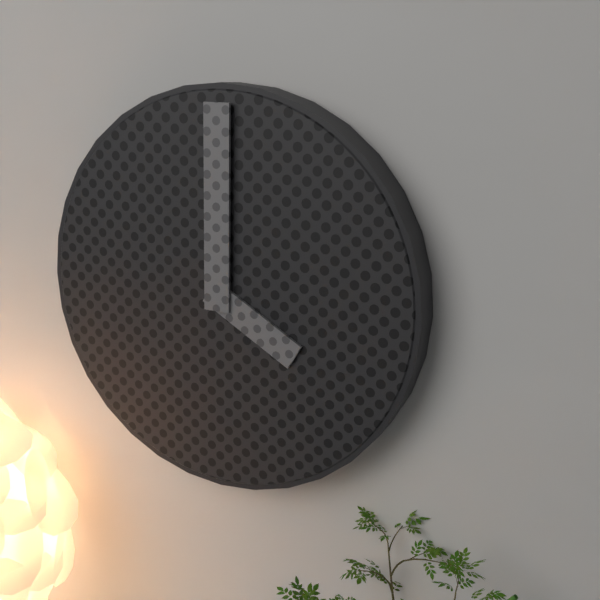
4:00
